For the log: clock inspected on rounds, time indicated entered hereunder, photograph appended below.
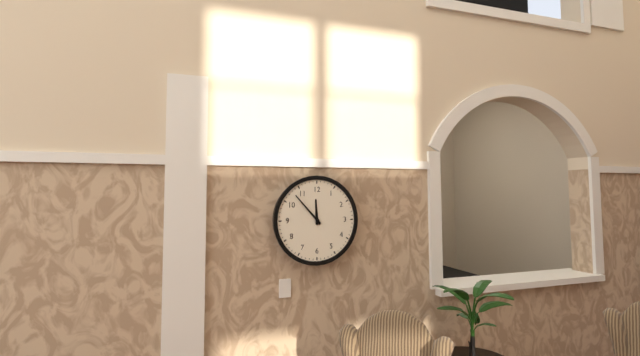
11:53
